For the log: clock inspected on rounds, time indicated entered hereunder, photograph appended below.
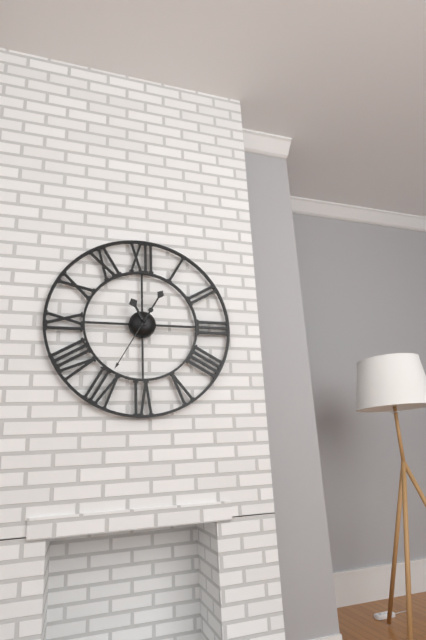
11:05:35
